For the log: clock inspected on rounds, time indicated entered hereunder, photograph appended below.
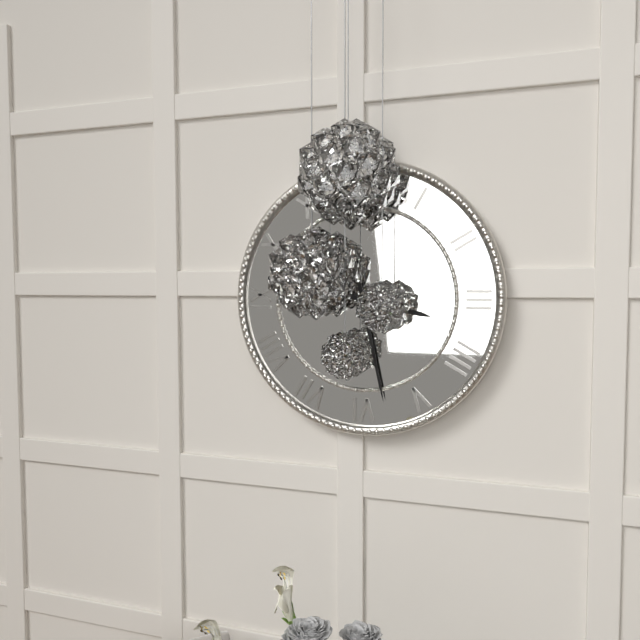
3:28
